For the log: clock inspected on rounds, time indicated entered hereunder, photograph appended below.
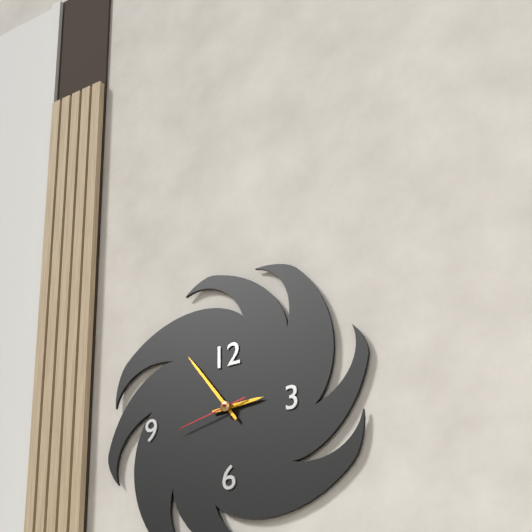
2:54:43
